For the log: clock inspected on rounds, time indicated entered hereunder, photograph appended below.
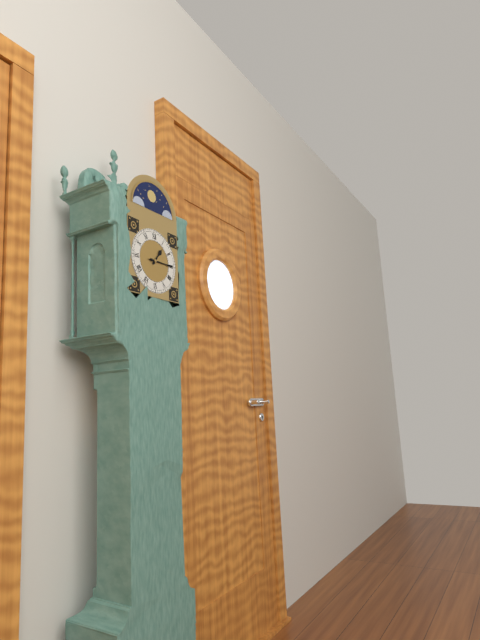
1:15
